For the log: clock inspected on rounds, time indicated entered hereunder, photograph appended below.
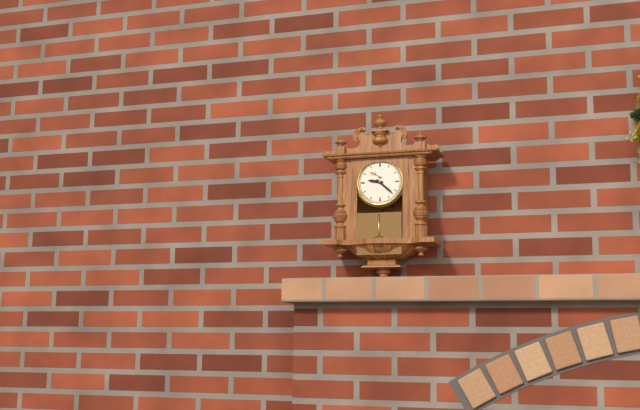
9:22
